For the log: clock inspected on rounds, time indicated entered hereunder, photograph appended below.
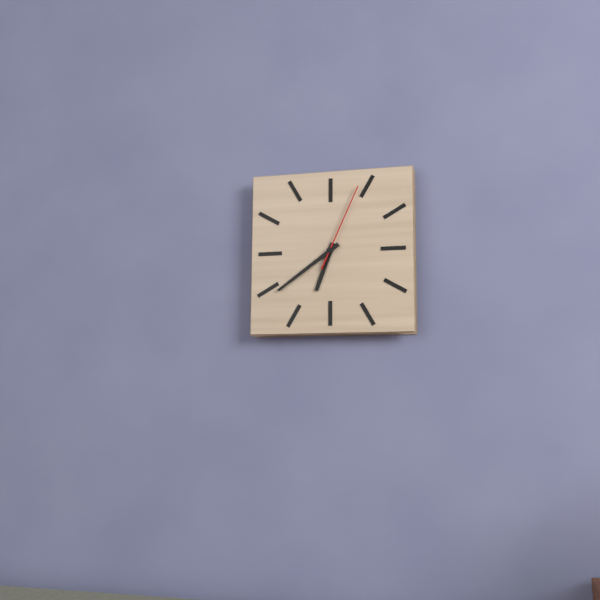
6:39:04
